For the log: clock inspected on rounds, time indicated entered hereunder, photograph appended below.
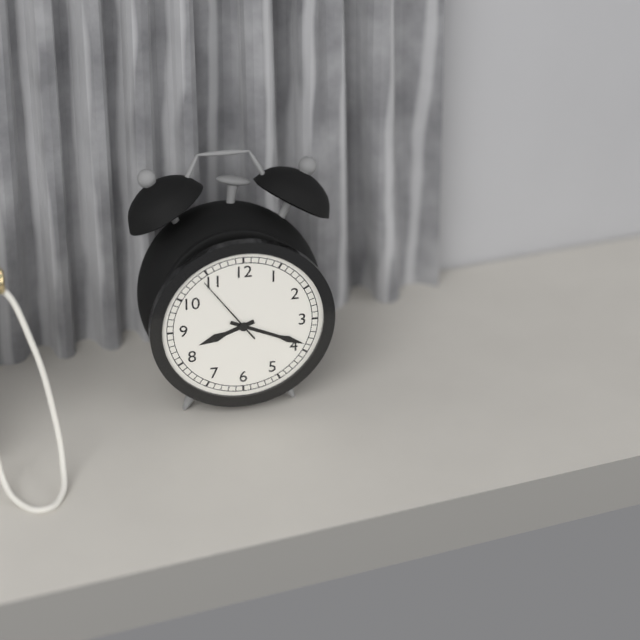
8:19:54
